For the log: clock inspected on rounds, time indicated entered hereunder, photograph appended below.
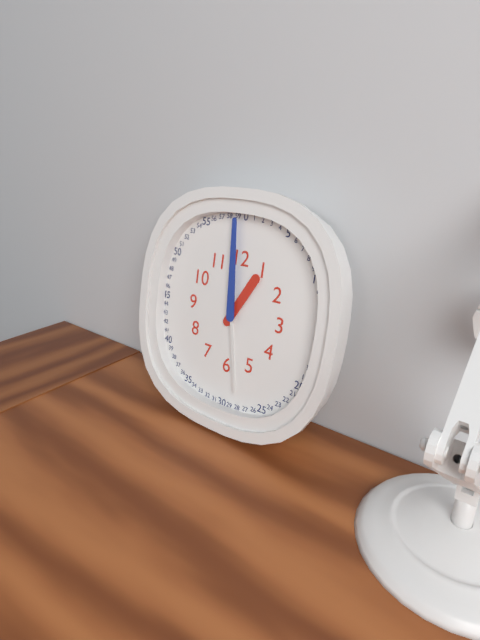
12:59:28
